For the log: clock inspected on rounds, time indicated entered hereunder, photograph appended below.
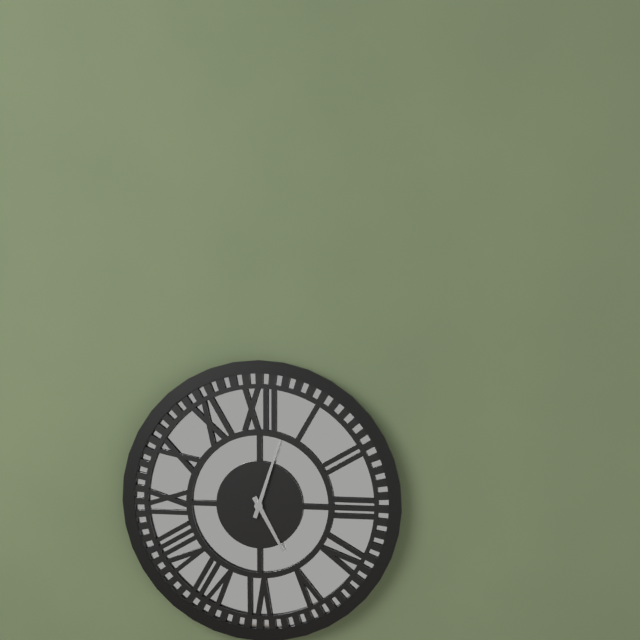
5:03
